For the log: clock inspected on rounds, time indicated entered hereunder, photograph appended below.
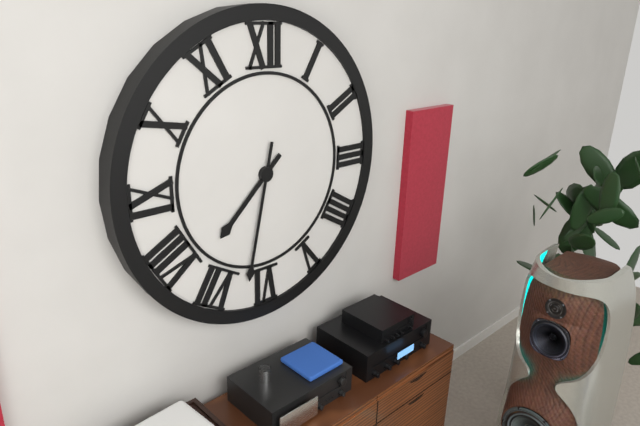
7:32
